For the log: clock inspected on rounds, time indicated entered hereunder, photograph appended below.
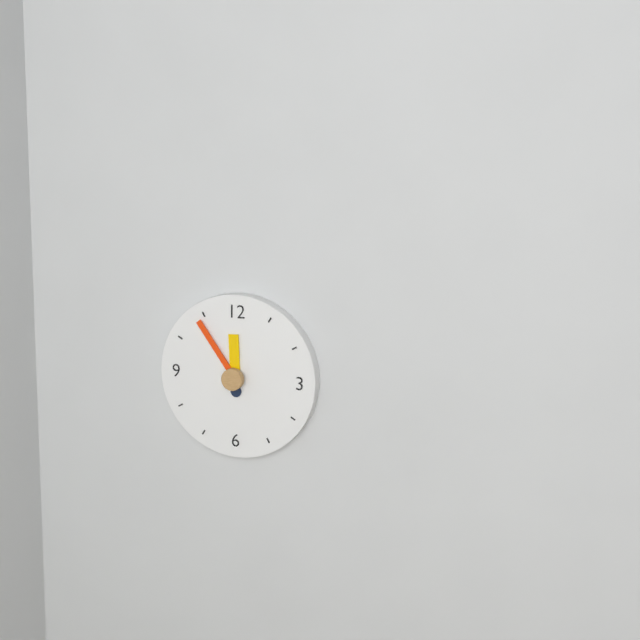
11:54
